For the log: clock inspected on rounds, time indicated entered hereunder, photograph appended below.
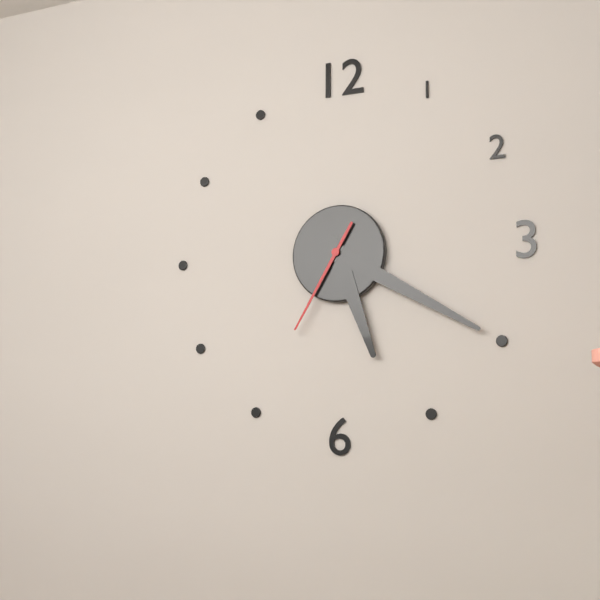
5:20:35
